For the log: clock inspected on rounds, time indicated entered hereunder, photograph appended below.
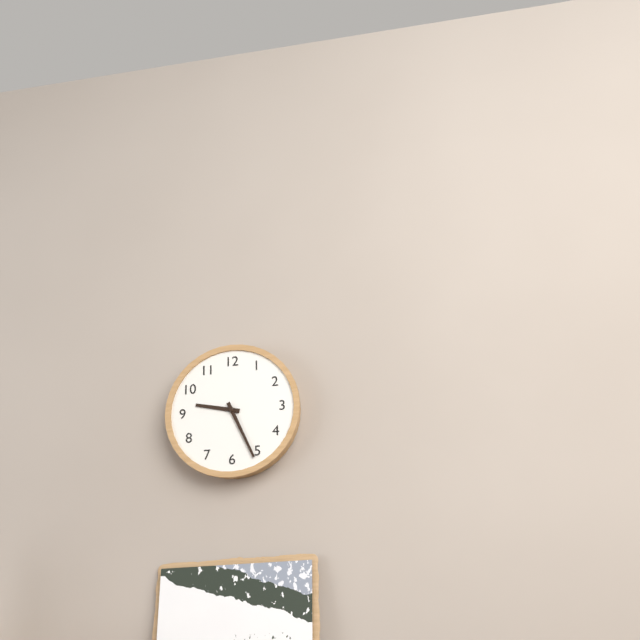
9:26
